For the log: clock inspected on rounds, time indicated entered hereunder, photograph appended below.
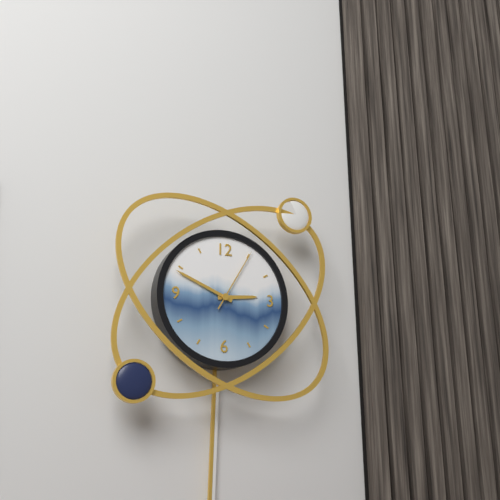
2:49:05
